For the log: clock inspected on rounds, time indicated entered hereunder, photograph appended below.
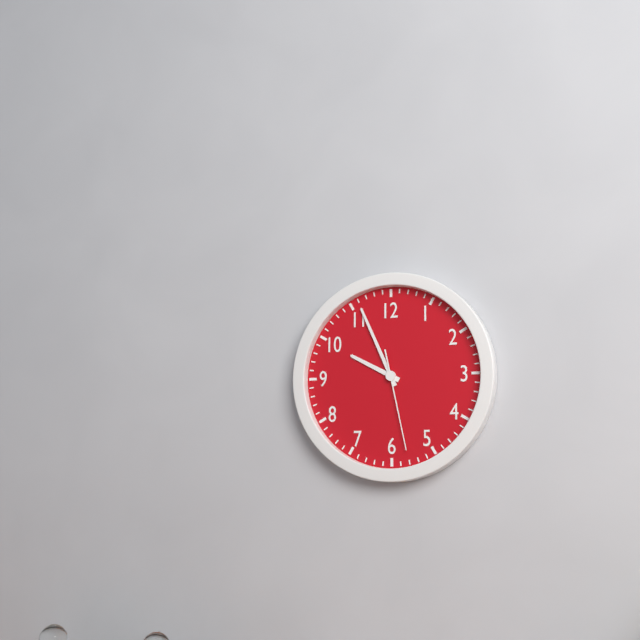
9:56:28
